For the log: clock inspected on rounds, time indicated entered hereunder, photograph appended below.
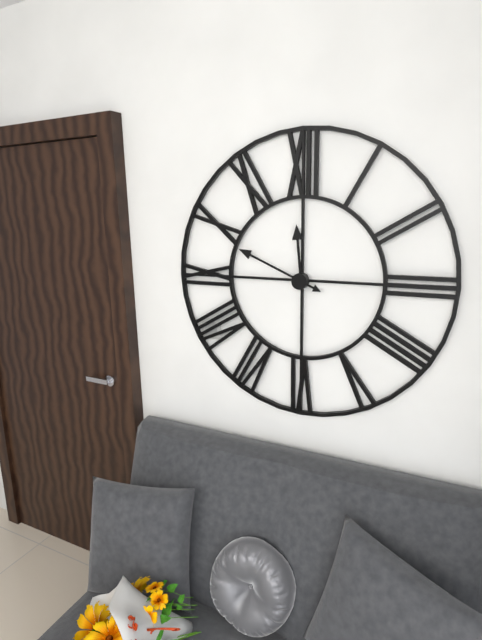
11:49
